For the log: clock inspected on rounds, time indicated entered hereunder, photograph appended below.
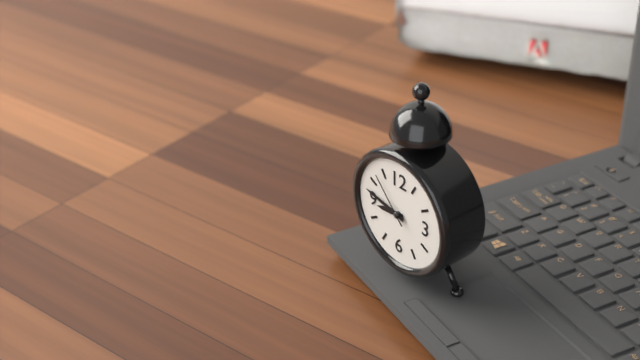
8:47:53
